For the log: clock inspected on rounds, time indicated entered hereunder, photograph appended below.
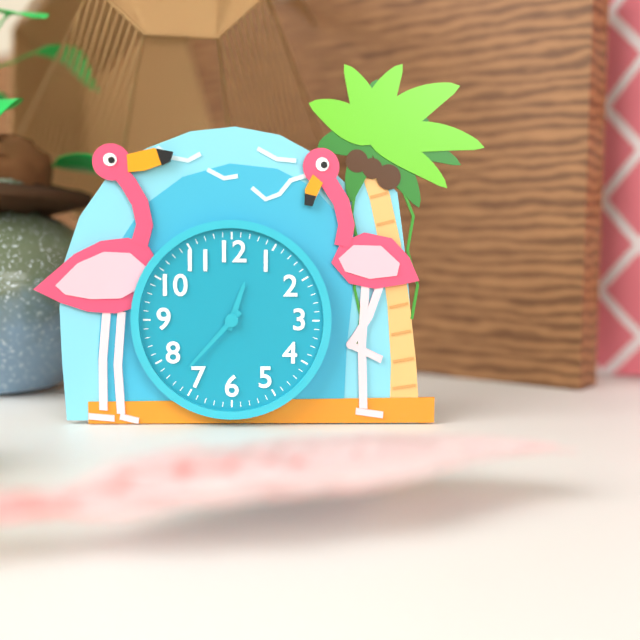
12:37
